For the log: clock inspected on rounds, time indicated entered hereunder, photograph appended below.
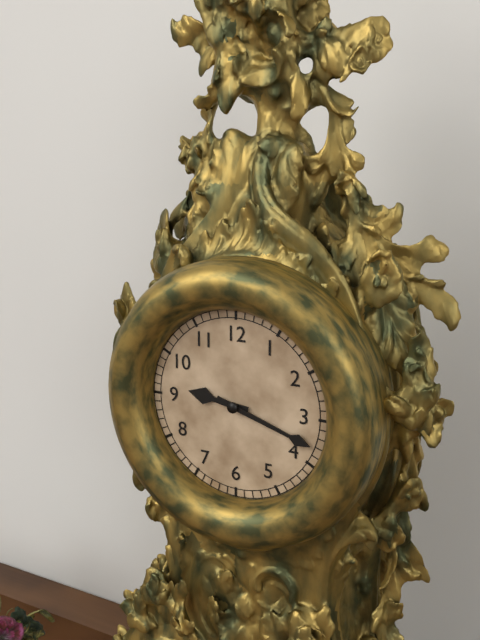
9:18
